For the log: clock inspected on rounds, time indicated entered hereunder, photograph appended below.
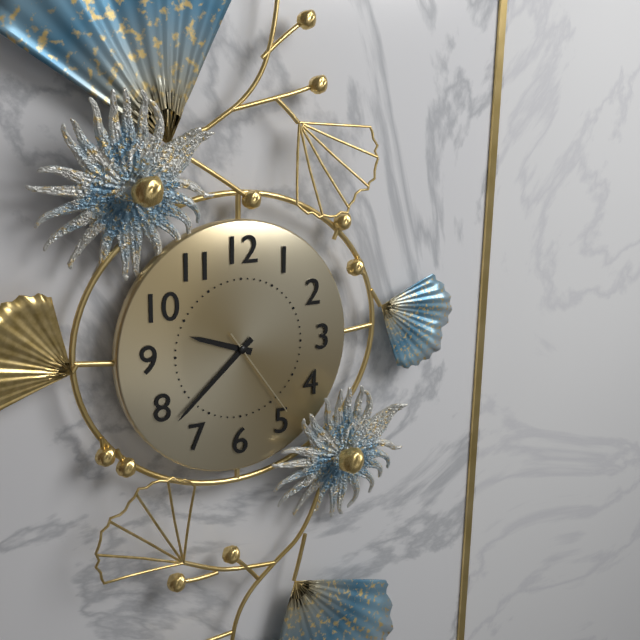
9:38:24
